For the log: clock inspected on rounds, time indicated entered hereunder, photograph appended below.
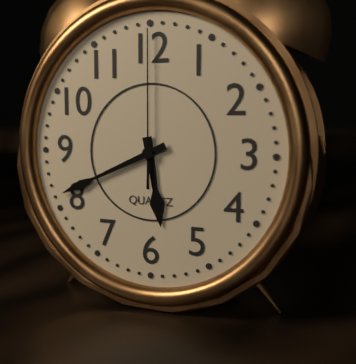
5:41:00
